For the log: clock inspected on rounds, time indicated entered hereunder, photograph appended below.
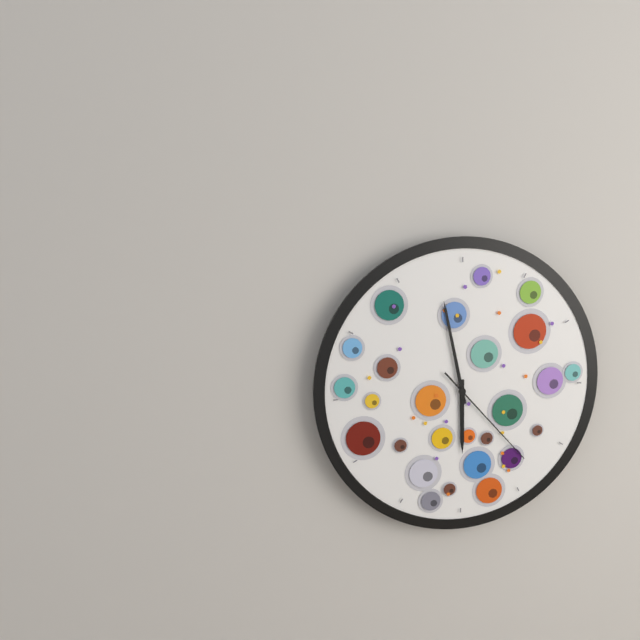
5:58:23
